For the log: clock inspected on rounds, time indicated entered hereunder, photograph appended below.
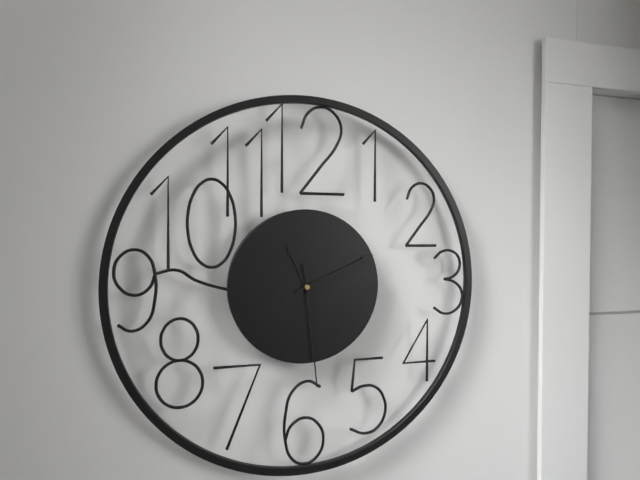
11:11:29
